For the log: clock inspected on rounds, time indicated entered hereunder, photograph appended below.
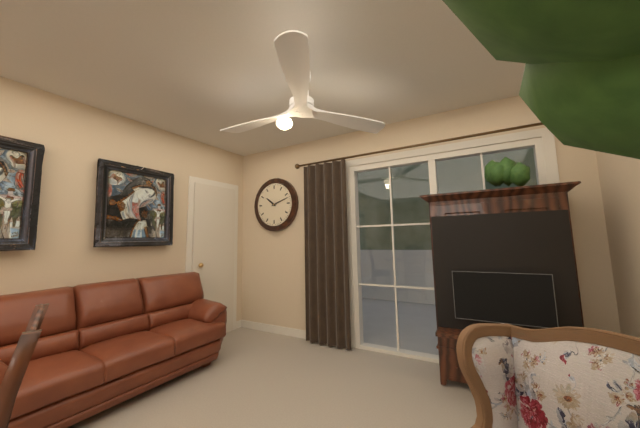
10:12
